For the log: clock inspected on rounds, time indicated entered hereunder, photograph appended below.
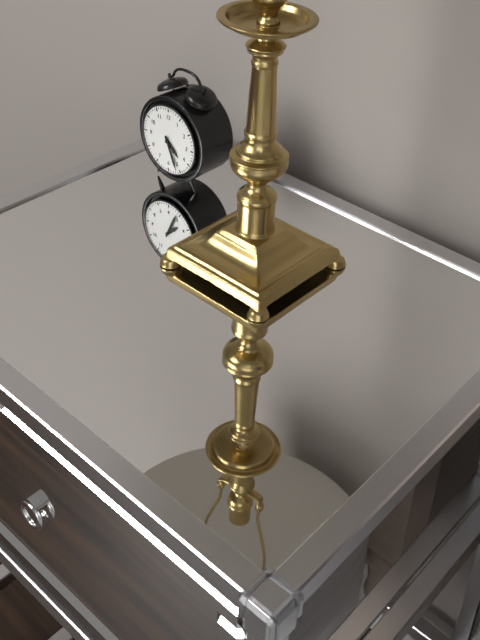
4:26
